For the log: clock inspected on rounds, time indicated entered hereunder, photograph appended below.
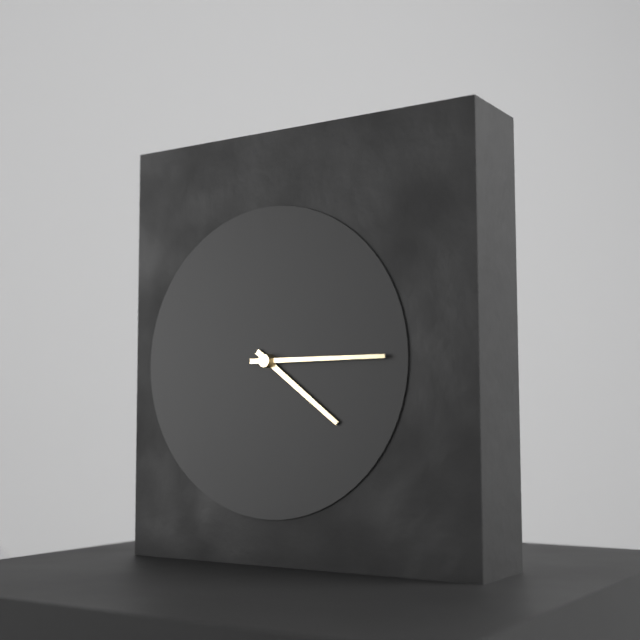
4:15
